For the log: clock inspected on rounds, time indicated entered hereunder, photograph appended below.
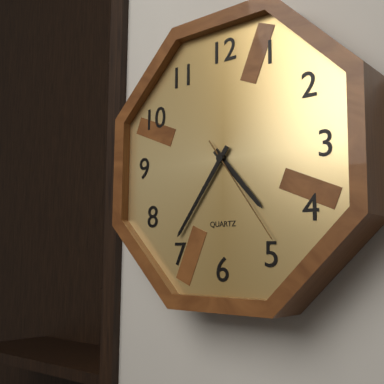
4:36:24
